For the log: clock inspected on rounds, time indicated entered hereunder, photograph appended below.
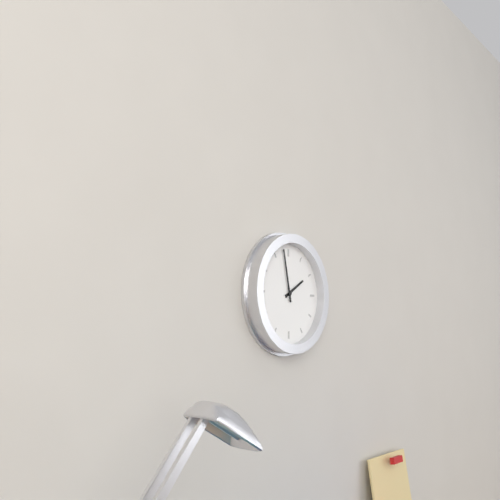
1:58
